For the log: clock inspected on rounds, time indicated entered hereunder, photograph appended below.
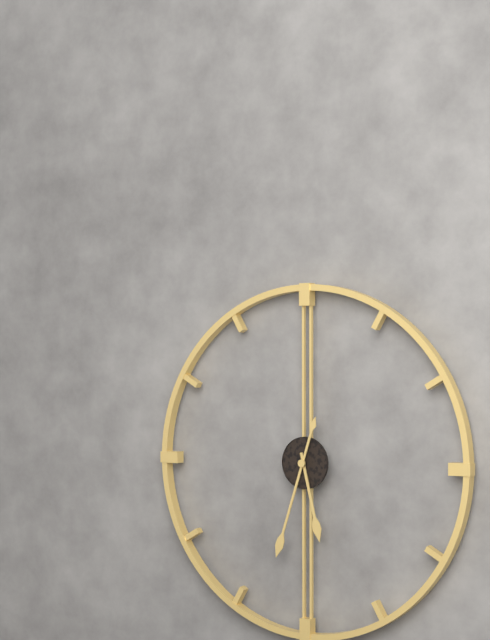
5:33
